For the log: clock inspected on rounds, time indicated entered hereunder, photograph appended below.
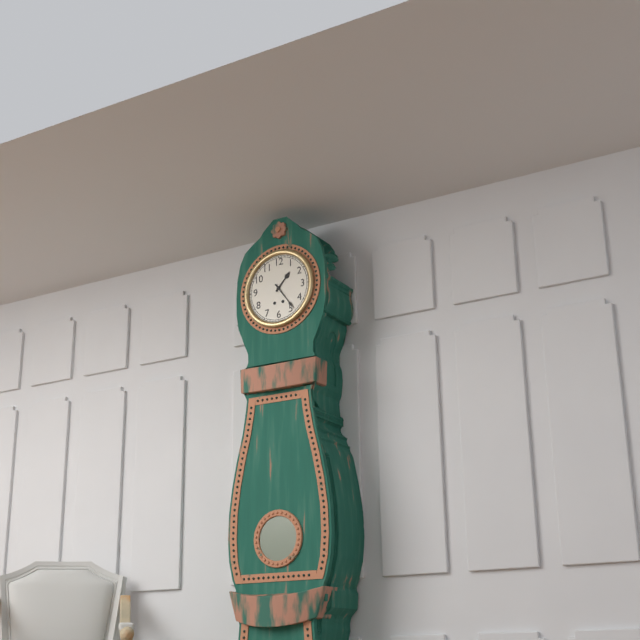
1:24
